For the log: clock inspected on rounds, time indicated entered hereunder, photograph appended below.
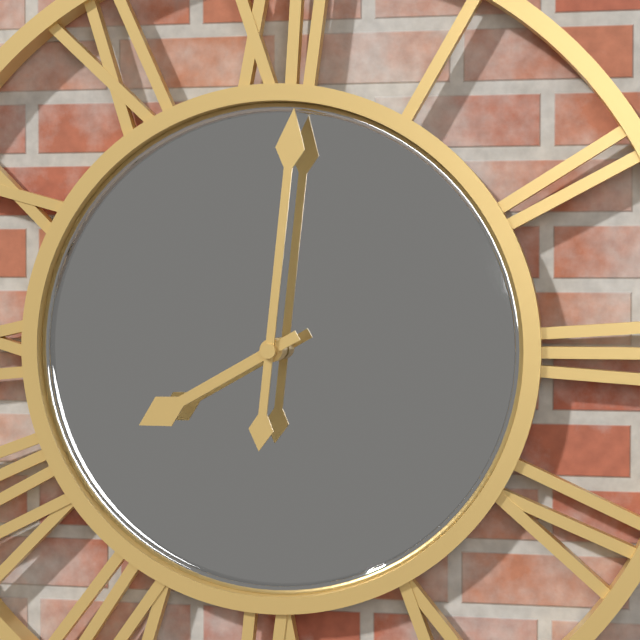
8:01
